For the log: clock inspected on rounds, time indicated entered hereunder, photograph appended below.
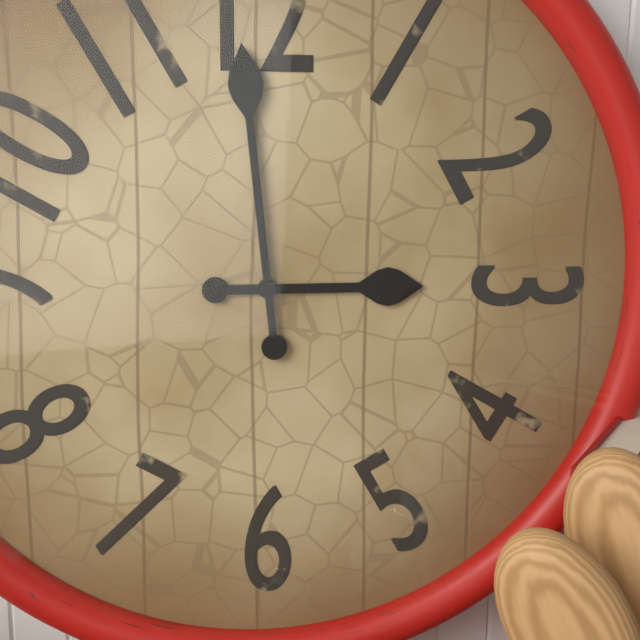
2:59
